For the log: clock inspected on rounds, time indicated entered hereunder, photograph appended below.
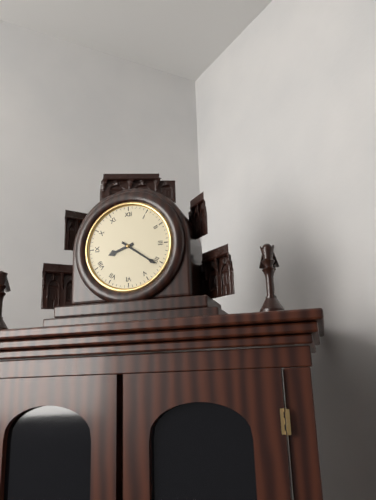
8:21
